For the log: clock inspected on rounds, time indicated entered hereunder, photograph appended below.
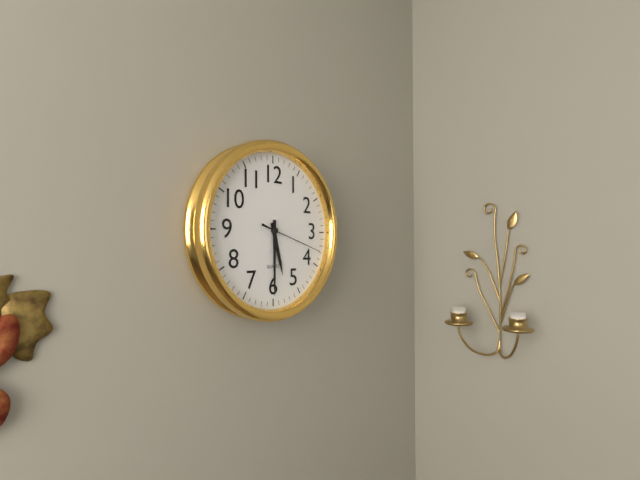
5:30:18
